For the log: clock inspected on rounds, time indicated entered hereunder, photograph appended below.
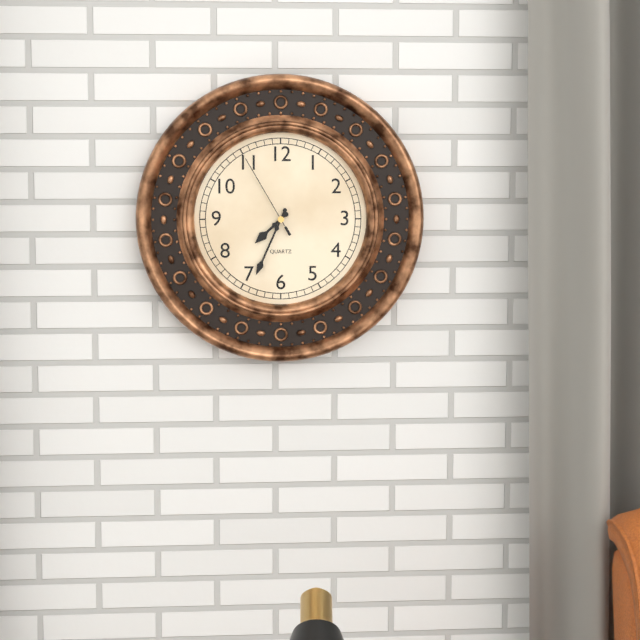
7:34:55
